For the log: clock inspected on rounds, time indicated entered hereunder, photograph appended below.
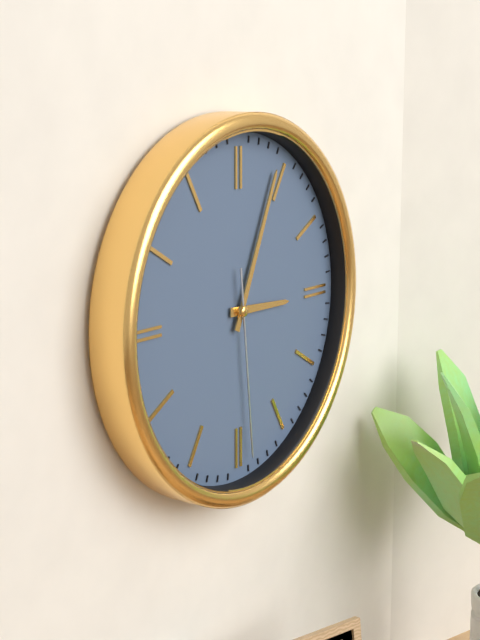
3:04:29
